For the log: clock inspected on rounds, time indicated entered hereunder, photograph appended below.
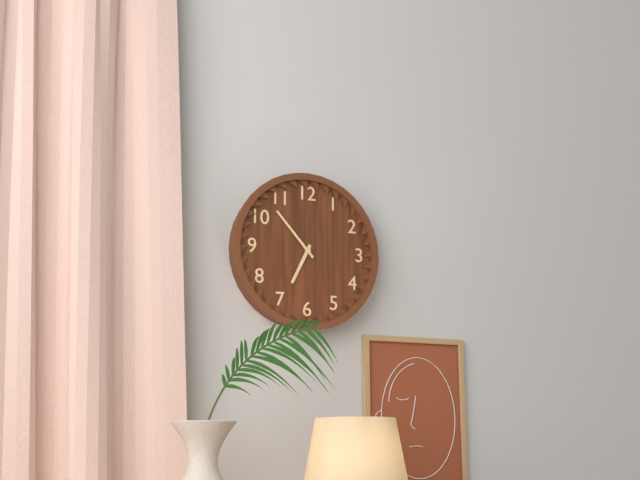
6:53
